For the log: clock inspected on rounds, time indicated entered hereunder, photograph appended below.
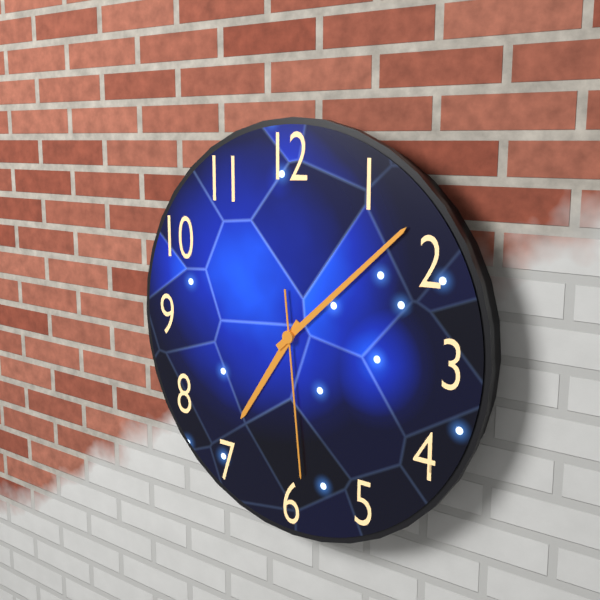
7:08:29
